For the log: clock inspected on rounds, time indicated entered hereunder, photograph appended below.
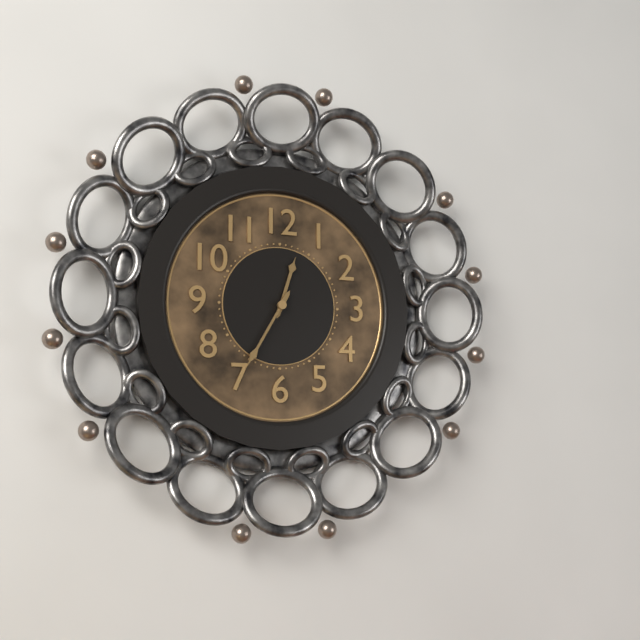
12:35
